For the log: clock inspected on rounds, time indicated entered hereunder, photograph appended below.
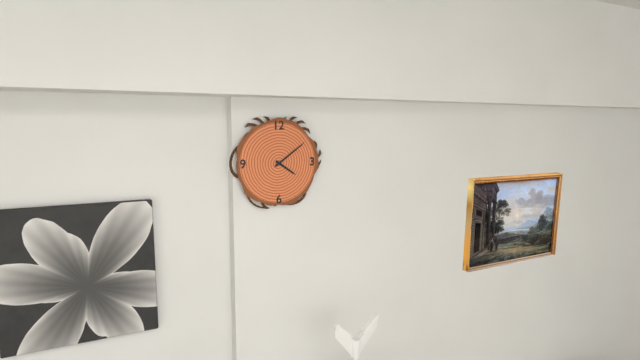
4:09
